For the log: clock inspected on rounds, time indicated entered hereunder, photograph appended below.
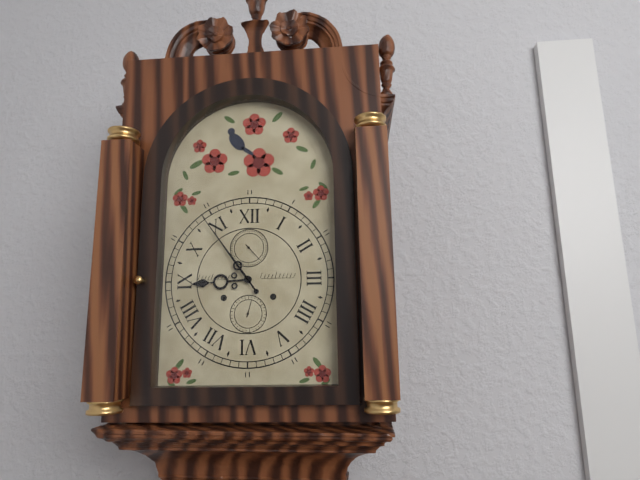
8:54
